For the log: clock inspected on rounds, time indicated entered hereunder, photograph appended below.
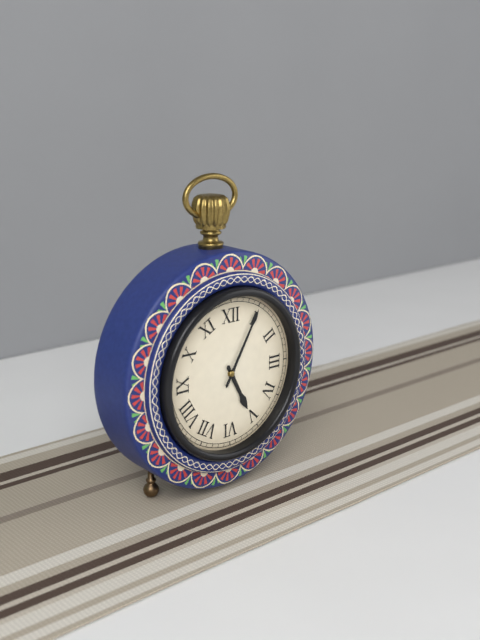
5:05
